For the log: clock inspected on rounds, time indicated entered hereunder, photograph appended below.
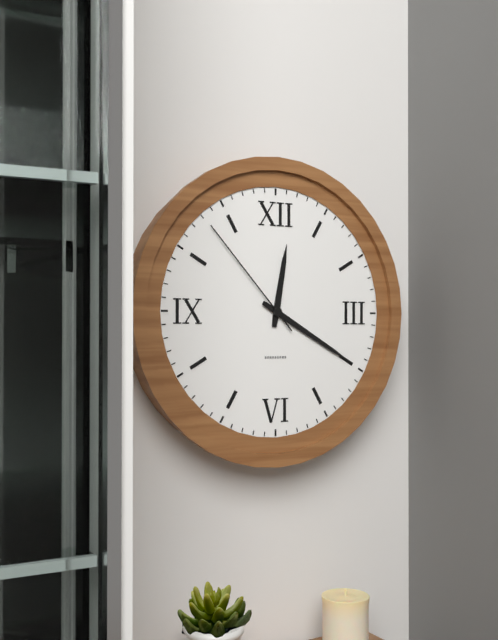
12:20:53
